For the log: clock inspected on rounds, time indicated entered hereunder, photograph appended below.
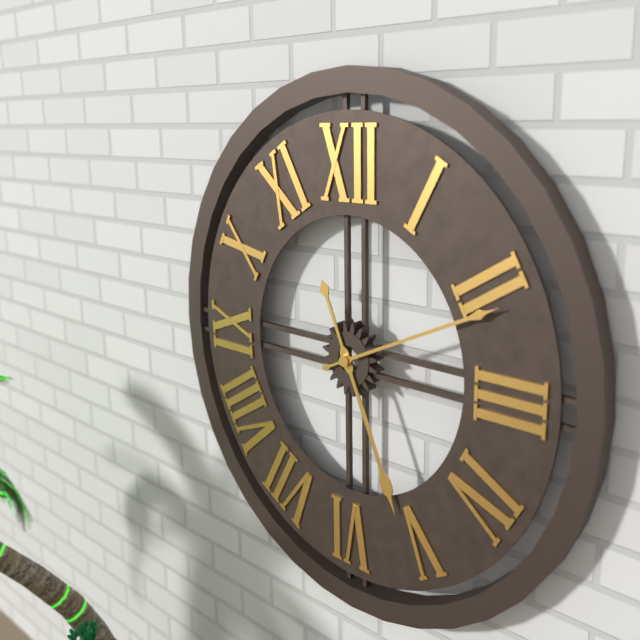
5:11
